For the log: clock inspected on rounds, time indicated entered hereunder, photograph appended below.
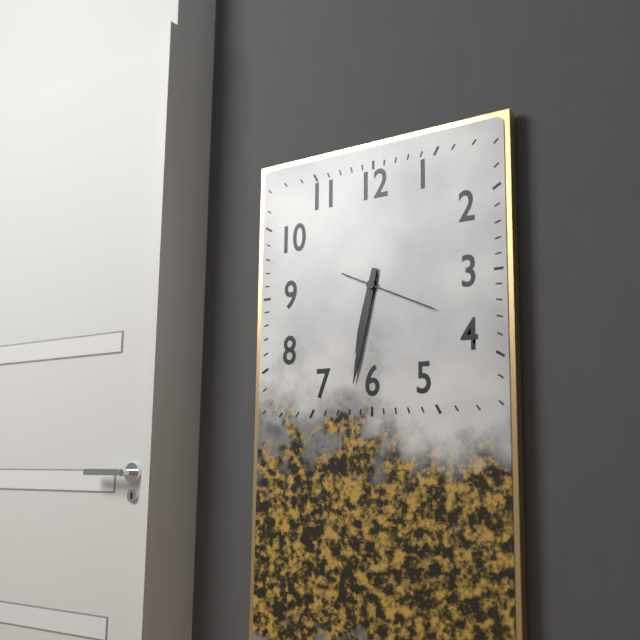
6:32:19
